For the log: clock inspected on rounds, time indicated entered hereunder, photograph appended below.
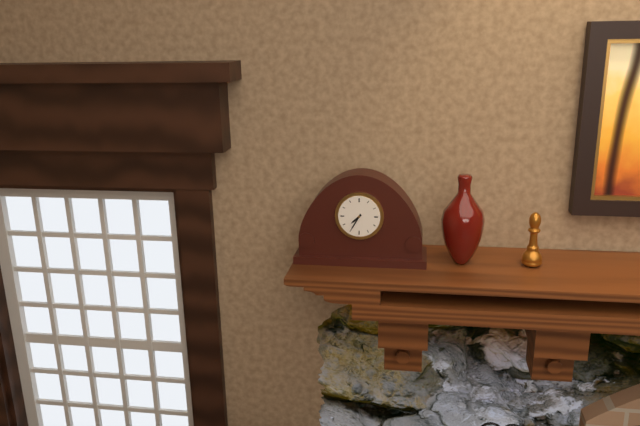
7:35
